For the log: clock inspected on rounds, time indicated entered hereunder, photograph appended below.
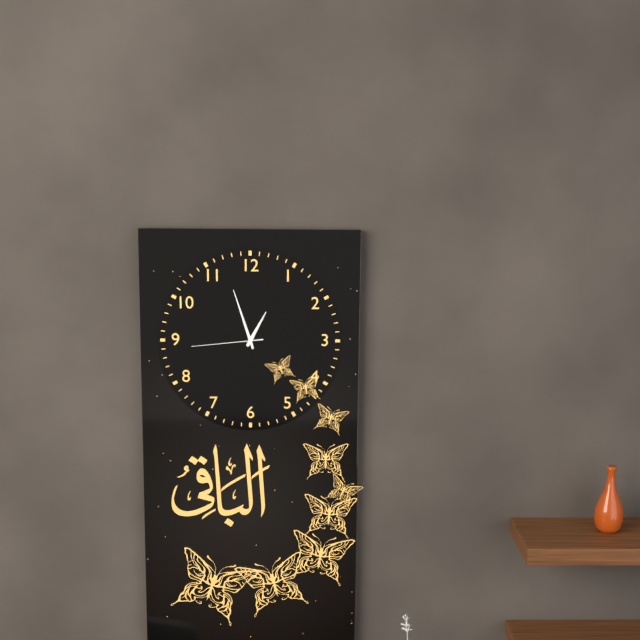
12:57:44
